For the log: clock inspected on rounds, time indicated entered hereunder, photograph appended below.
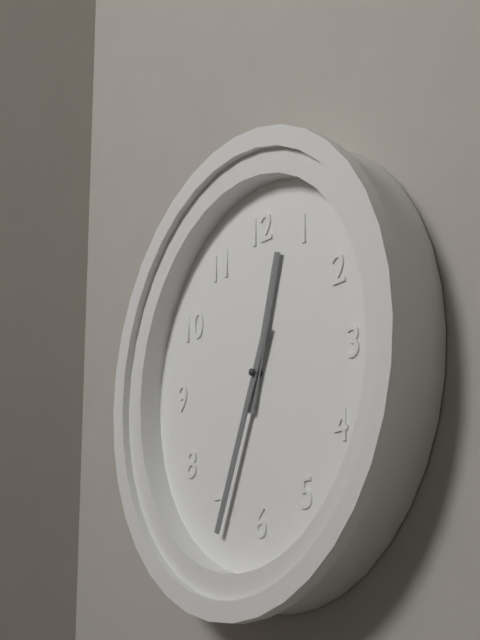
12:34
